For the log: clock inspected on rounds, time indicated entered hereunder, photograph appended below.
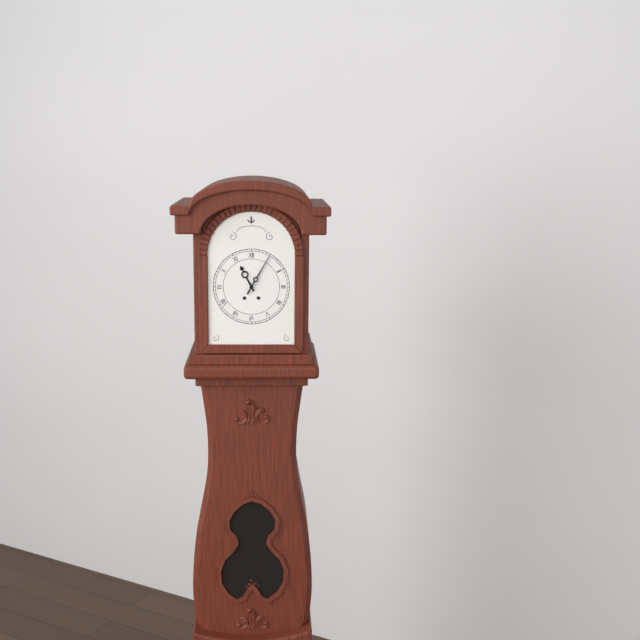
11:05
